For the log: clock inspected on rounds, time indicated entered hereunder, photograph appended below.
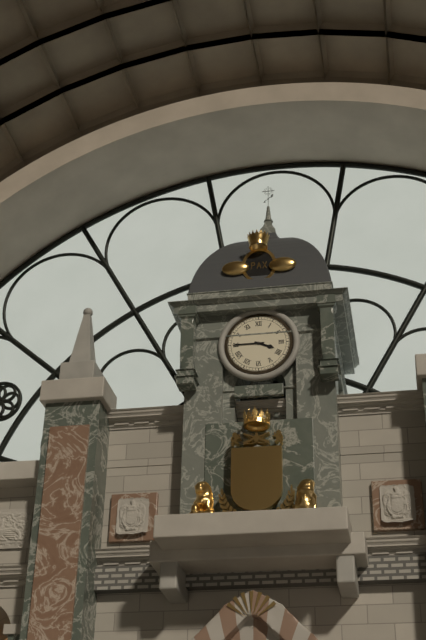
3:45
